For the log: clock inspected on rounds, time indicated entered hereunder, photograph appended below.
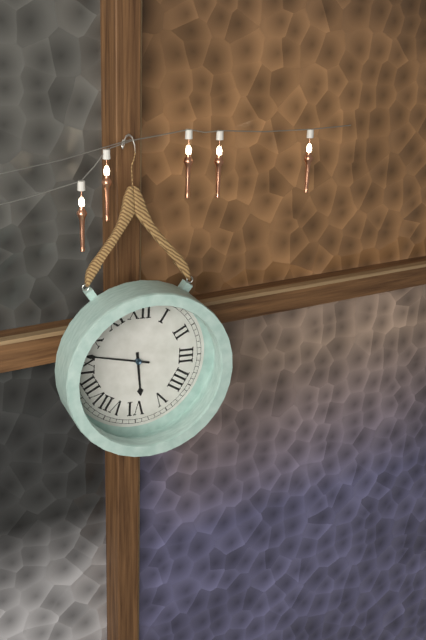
5:47
